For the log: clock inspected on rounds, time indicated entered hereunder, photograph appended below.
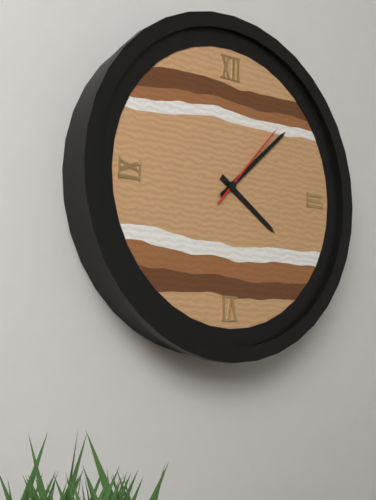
4:08:07
